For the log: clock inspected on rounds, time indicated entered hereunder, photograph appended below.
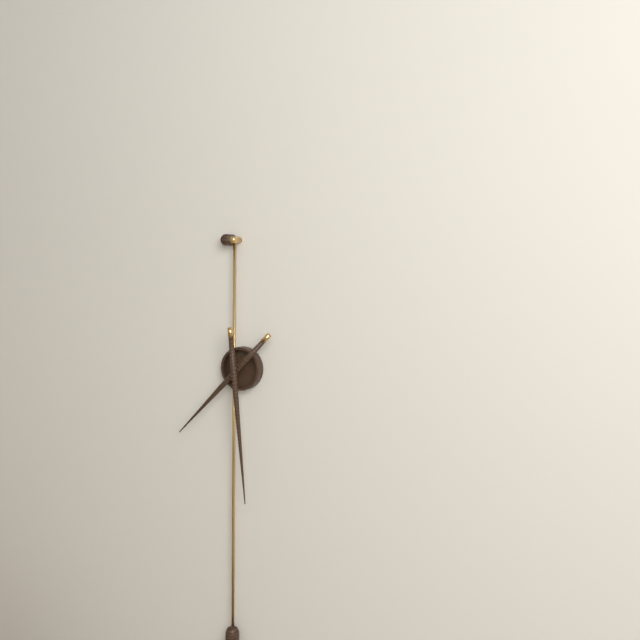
7:29
